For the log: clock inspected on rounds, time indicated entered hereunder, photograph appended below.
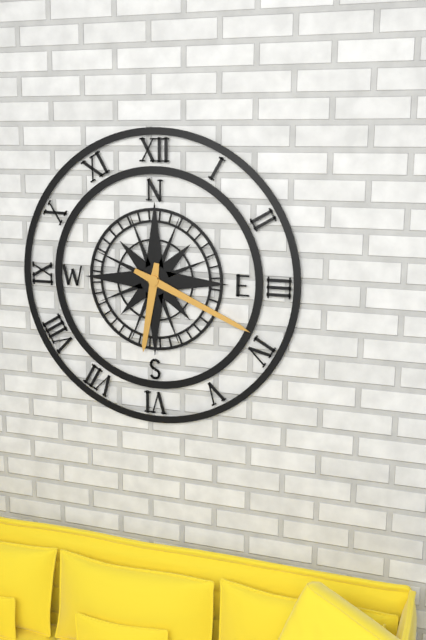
6:19
